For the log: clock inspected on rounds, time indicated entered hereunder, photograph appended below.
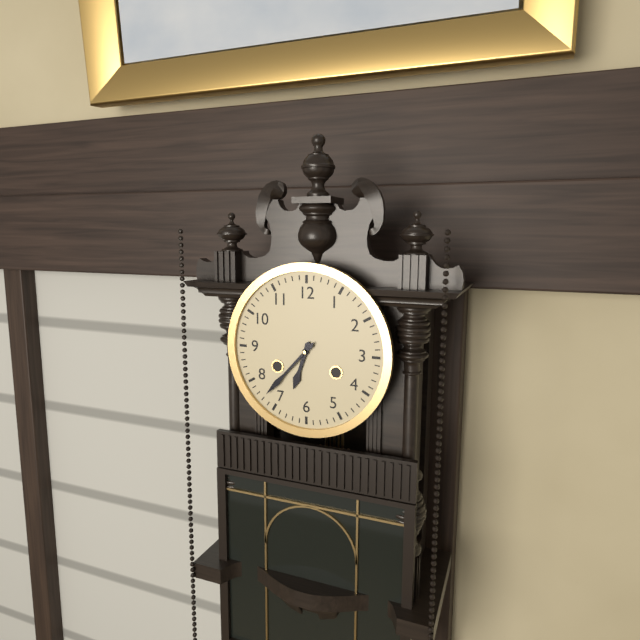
6:37
